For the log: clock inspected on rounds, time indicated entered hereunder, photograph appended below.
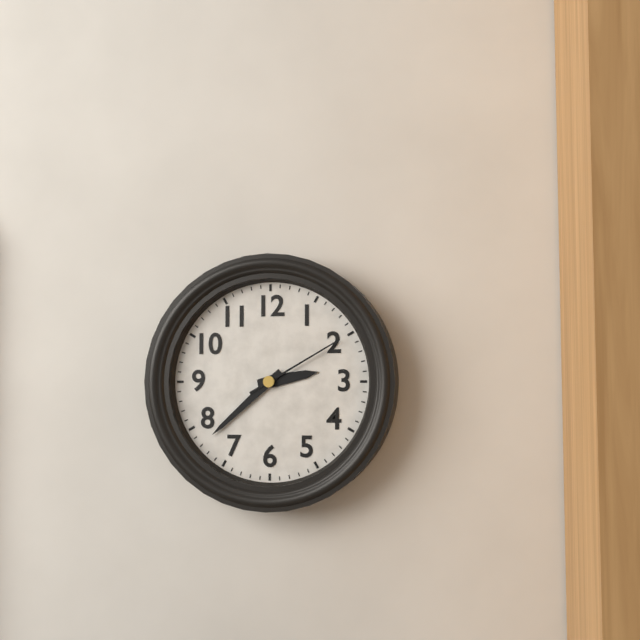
2:38:10
